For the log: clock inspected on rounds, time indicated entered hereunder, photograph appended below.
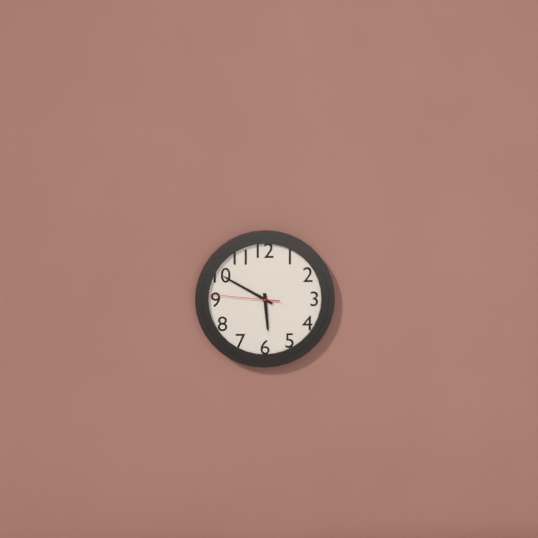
5:50:46
